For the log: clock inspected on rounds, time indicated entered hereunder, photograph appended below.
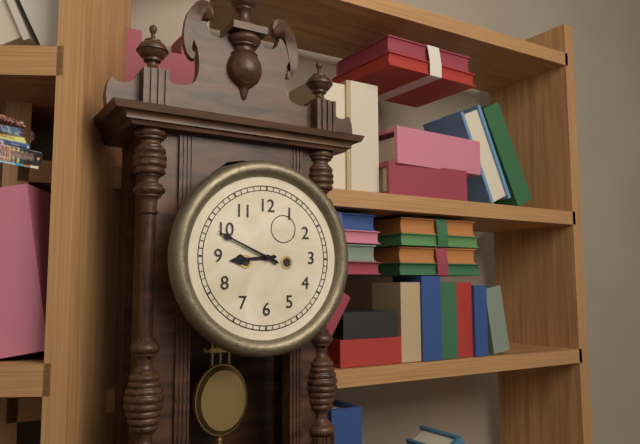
8:49
